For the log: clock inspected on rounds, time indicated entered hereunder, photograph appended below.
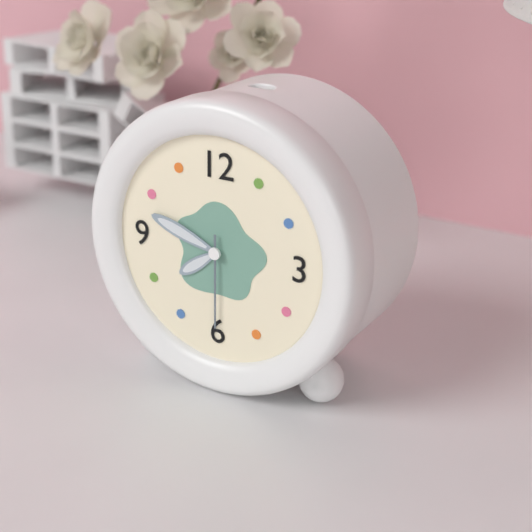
7:48:30
